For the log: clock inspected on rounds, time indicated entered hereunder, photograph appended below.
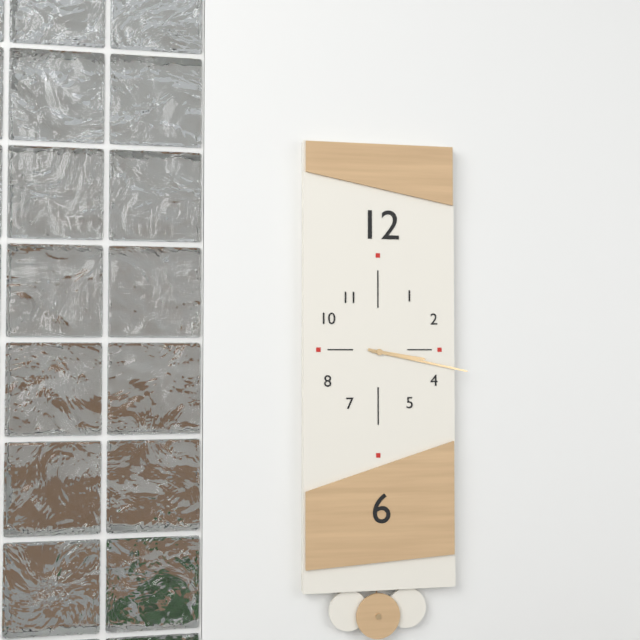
3:17
